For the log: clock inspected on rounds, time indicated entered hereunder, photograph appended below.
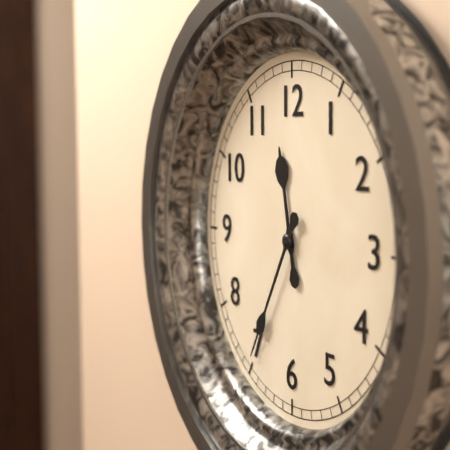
11:35
